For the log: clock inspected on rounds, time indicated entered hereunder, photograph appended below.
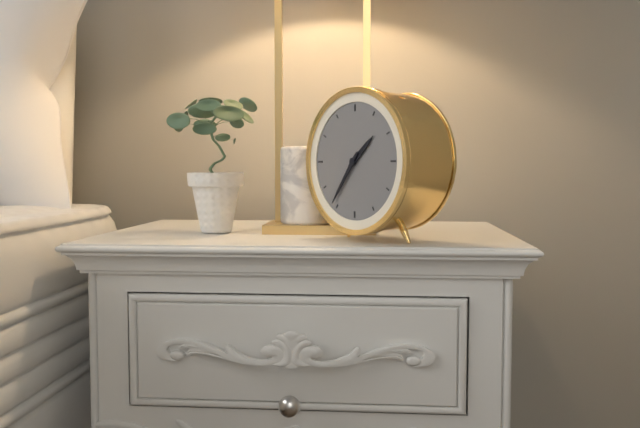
1:36
